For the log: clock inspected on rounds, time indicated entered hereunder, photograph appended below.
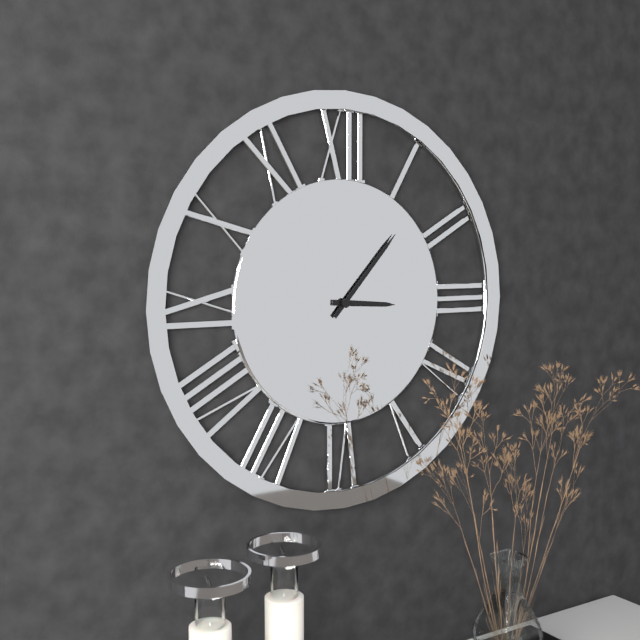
3:07
